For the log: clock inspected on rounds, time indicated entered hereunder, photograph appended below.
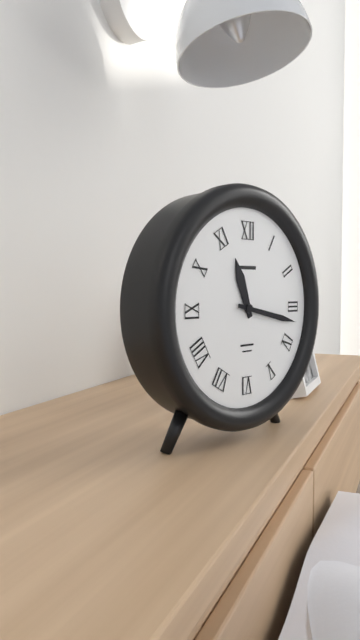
11:17
